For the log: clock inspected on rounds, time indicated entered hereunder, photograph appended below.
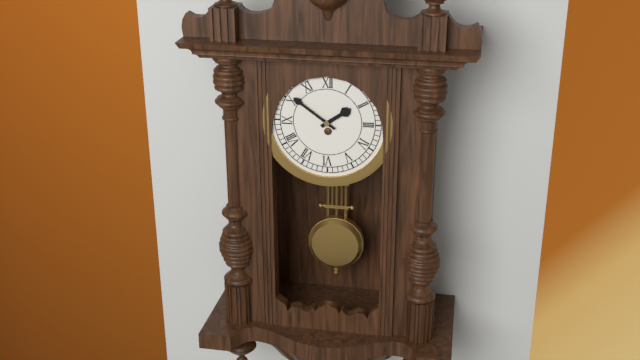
1:51
